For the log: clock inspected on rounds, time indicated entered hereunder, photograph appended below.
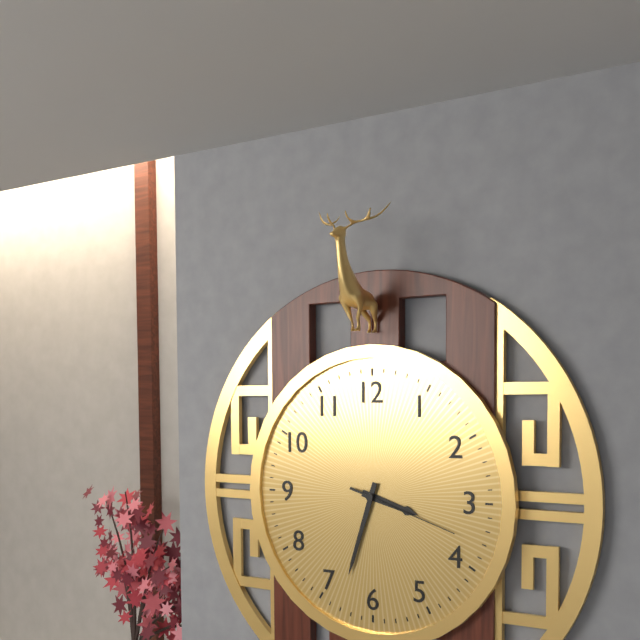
3:33:18
